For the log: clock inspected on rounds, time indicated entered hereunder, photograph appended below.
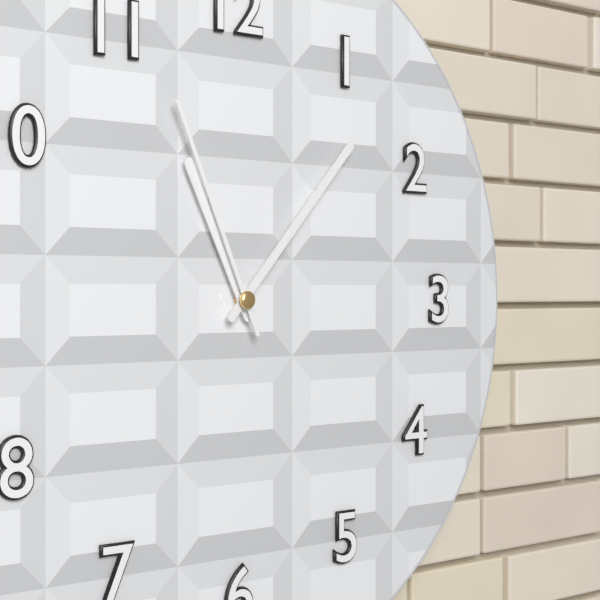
11:07:56
